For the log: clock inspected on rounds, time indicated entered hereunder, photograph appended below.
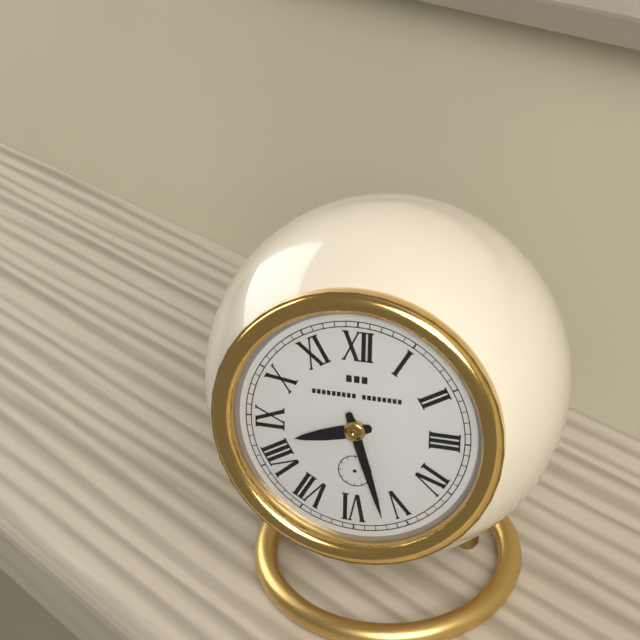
8:27
